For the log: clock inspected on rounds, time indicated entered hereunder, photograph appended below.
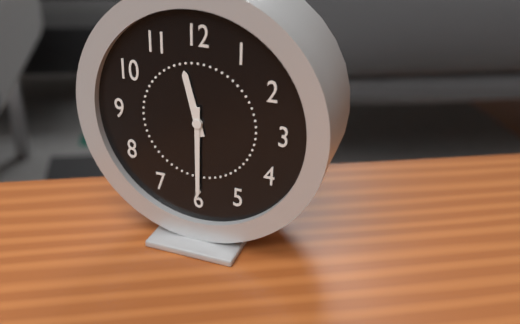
11:30
